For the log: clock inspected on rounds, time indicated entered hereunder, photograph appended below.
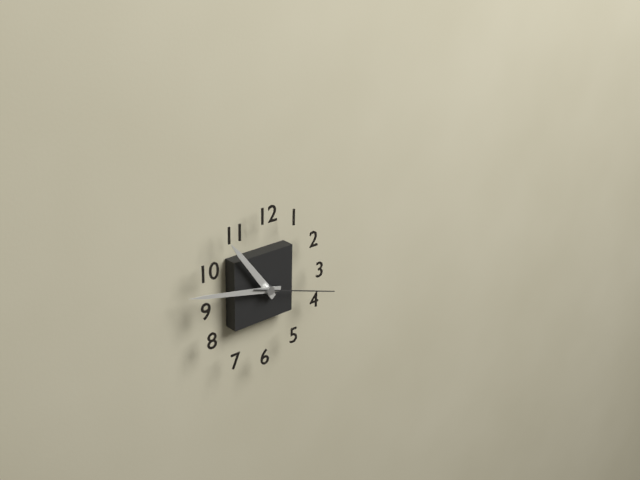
10:47:18
